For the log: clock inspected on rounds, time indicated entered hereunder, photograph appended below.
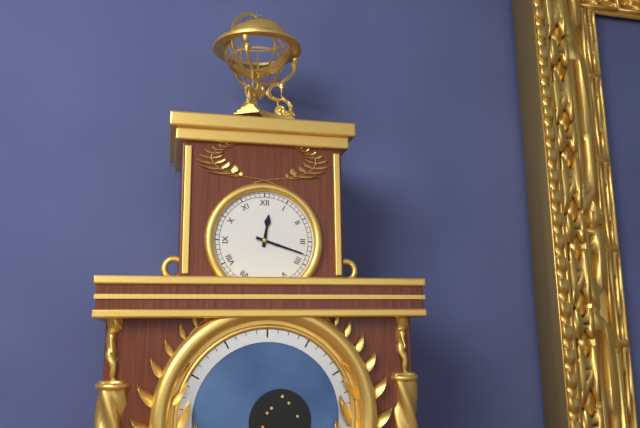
12:18
